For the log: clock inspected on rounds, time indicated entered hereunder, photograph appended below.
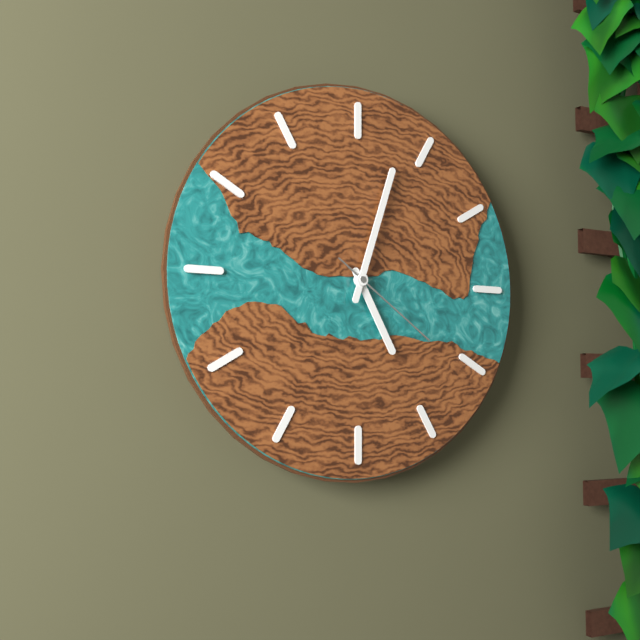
5:03:21
